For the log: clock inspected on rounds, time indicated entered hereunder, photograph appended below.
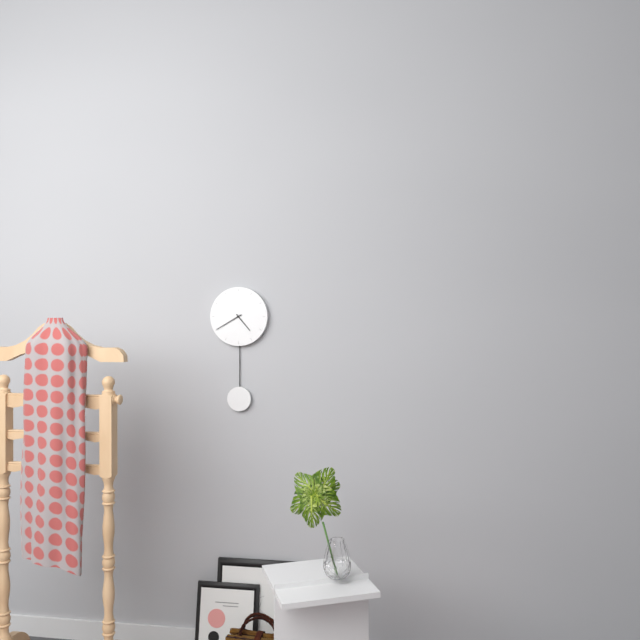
4:40
